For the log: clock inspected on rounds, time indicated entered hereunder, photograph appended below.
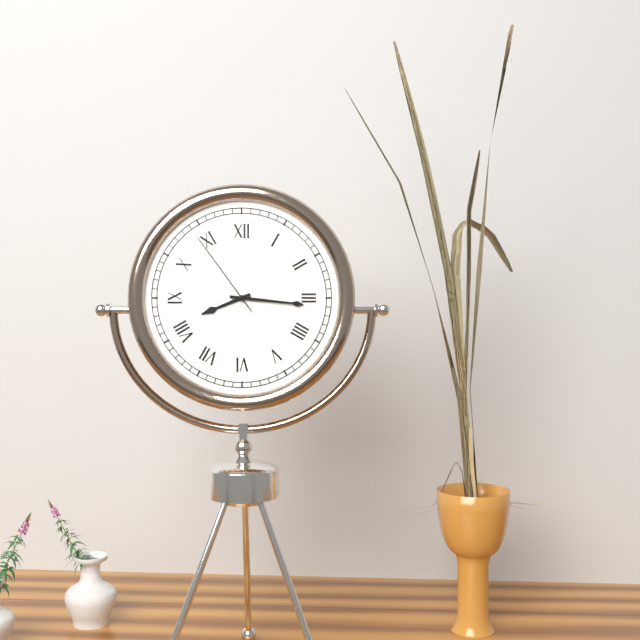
8:16:54
